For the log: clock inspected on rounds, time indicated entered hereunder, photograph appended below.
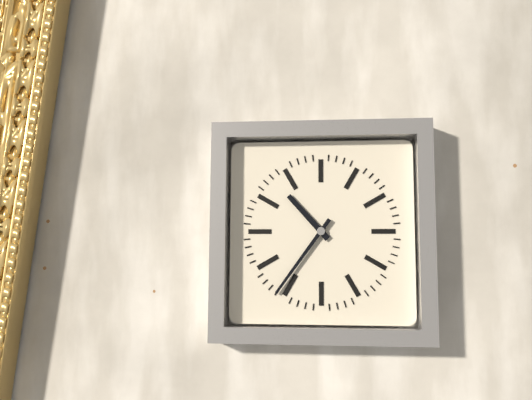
10:36
